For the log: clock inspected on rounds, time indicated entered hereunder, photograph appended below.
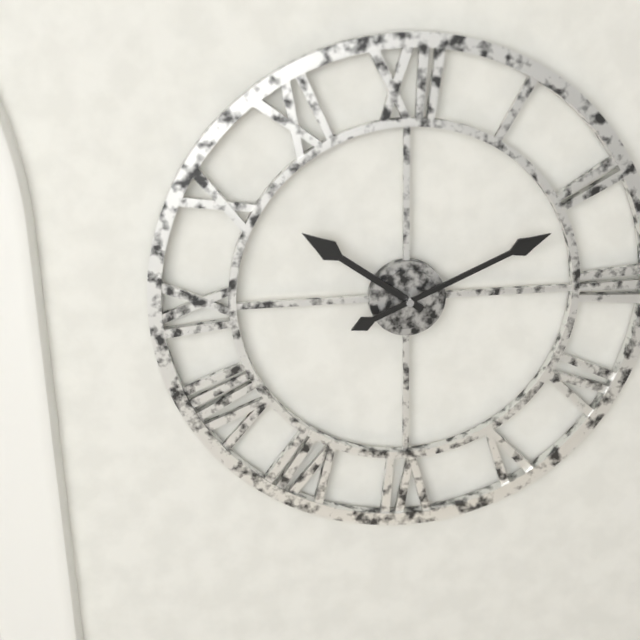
10:11
